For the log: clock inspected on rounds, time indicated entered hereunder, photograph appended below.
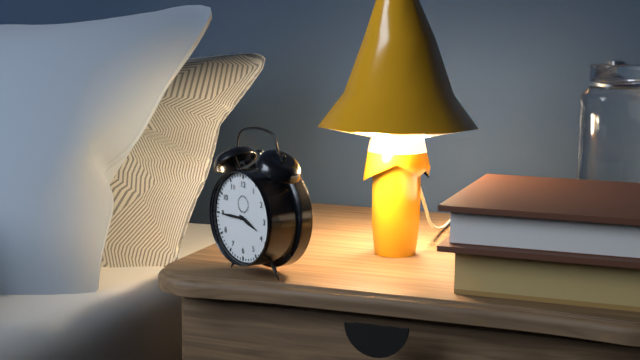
3:45
